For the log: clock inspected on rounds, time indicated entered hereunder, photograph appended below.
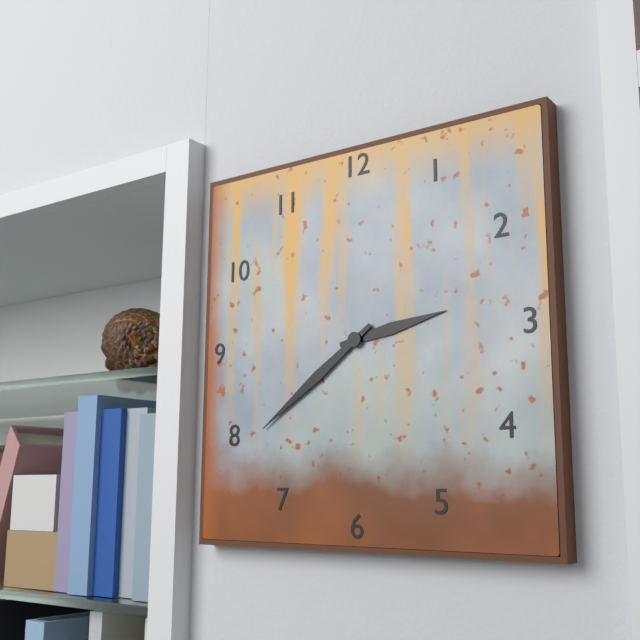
2:39
